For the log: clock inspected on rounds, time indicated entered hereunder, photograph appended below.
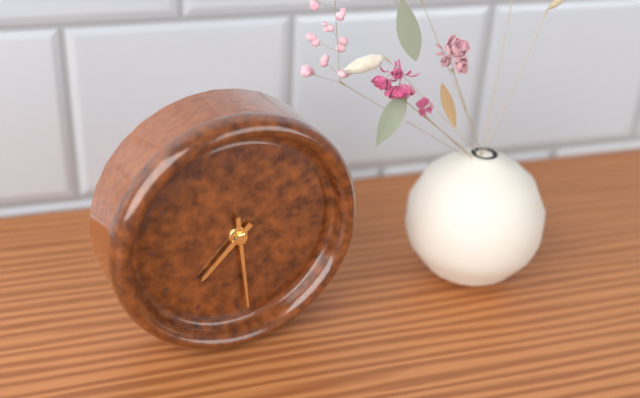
7:29
